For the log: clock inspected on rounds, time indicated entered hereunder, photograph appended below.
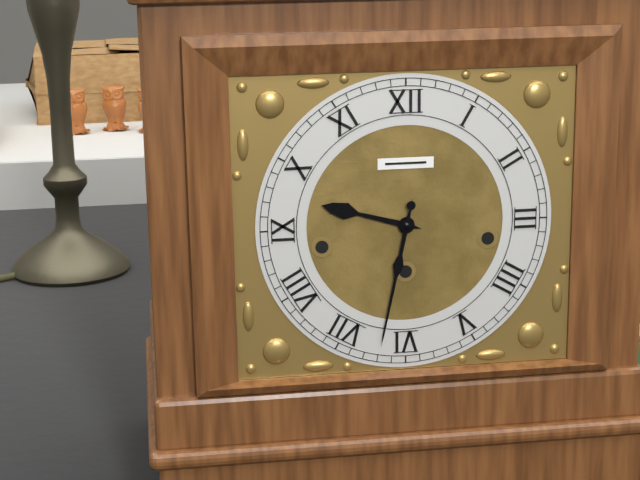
9:32
